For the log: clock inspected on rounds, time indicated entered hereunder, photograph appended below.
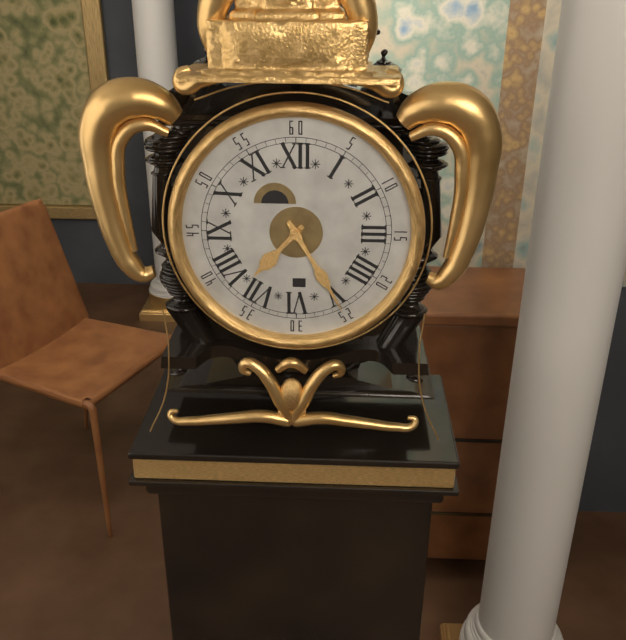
7:25
